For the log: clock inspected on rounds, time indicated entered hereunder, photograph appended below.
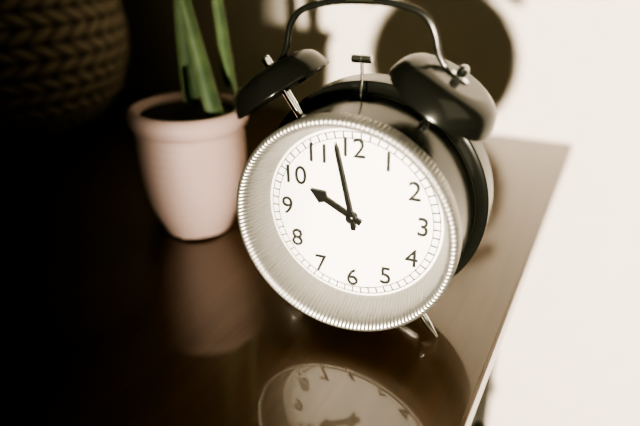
9:58
